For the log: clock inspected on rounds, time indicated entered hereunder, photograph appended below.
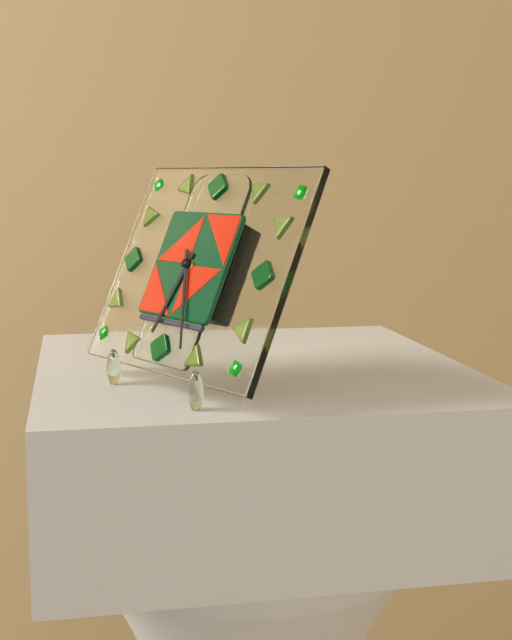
6:26
